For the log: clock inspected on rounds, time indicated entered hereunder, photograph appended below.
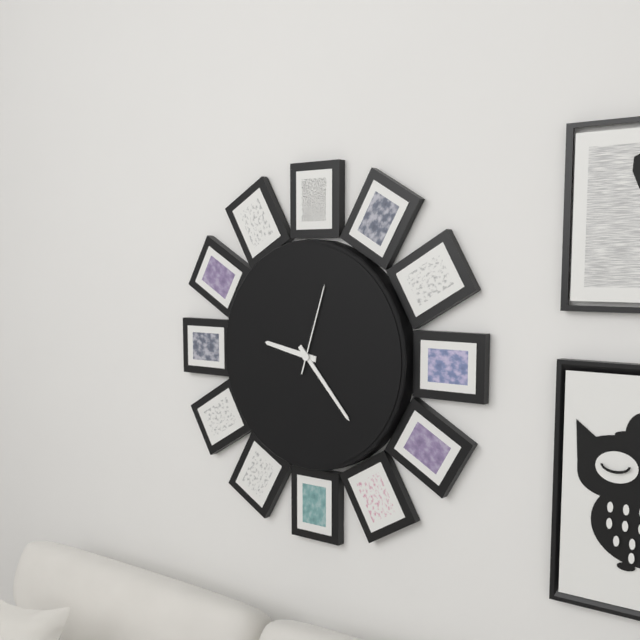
9:23:03
